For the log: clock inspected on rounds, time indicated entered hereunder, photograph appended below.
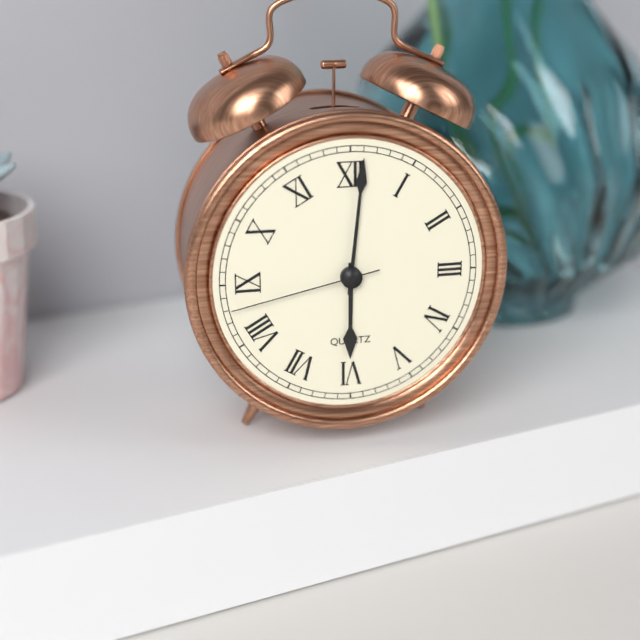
6:01:43
